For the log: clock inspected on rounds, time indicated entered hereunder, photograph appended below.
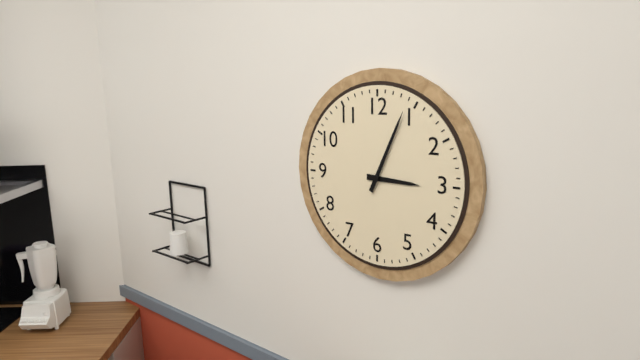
3:04
